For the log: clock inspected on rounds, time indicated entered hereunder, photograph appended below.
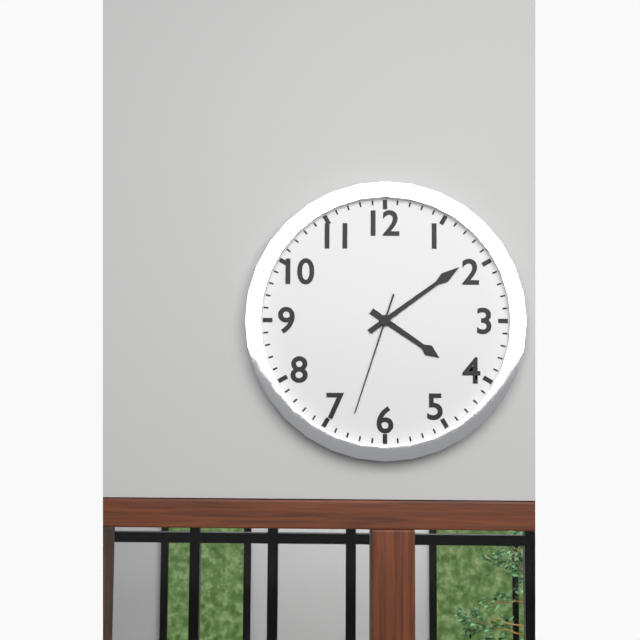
4:09:33
